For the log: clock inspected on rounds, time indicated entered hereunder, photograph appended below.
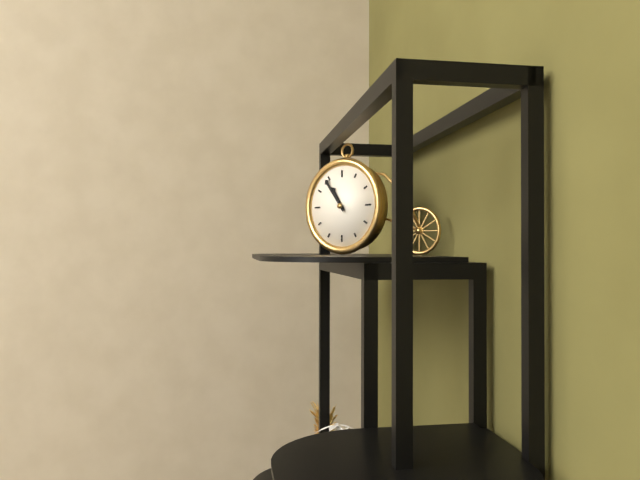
10:54
